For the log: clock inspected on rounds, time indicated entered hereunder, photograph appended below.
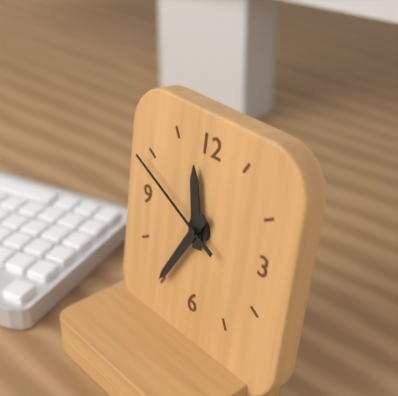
11:35:49
